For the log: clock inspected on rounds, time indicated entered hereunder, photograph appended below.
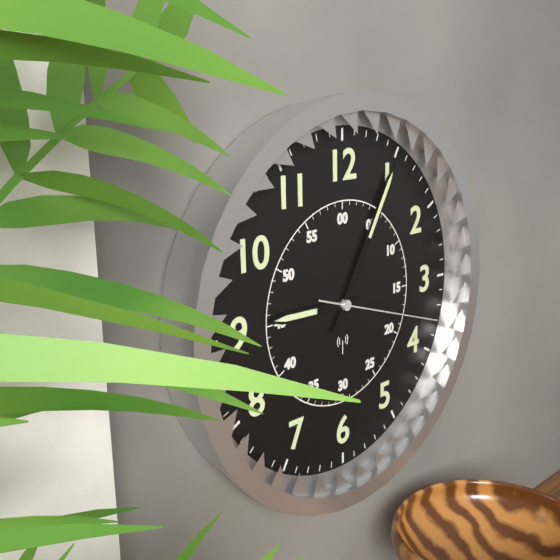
9:05:18
